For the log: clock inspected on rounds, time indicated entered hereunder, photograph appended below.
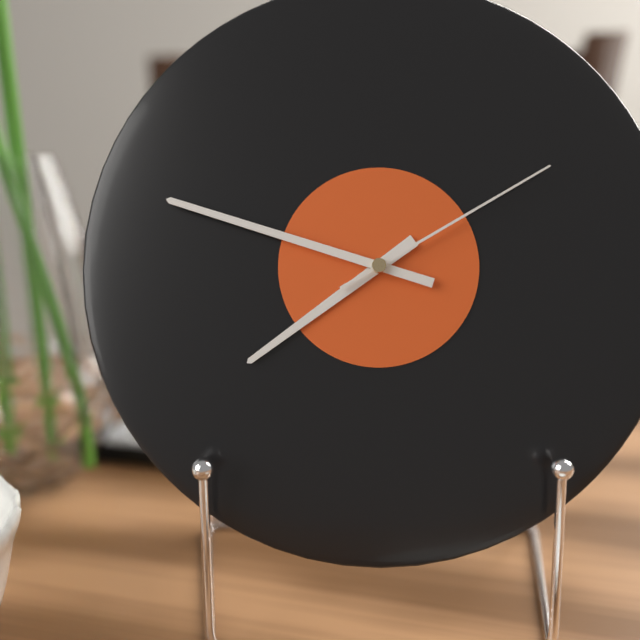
7:48:10
